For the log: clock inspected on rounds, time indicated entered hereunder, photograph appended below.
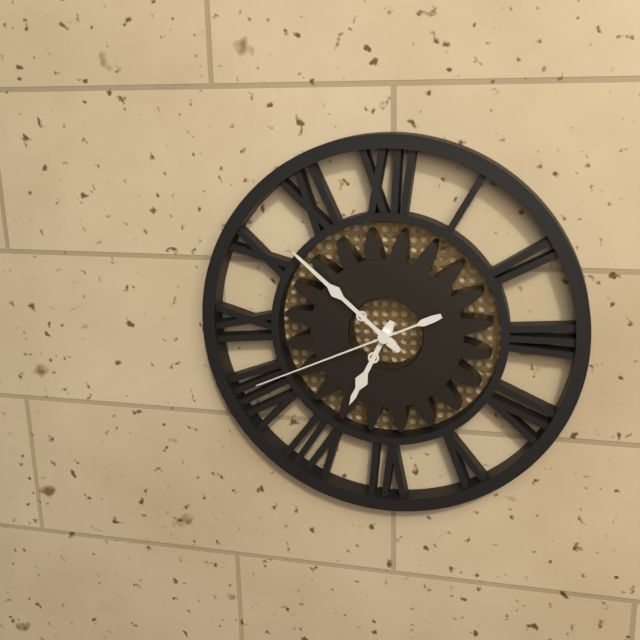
6:52:41
